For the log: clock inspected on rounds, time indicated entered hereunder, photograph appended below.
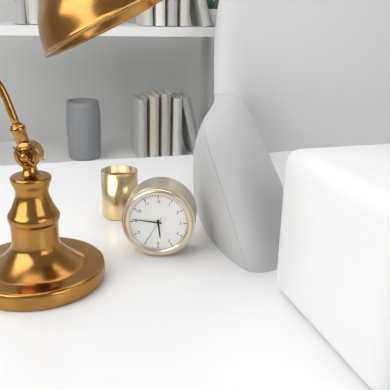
5:46
